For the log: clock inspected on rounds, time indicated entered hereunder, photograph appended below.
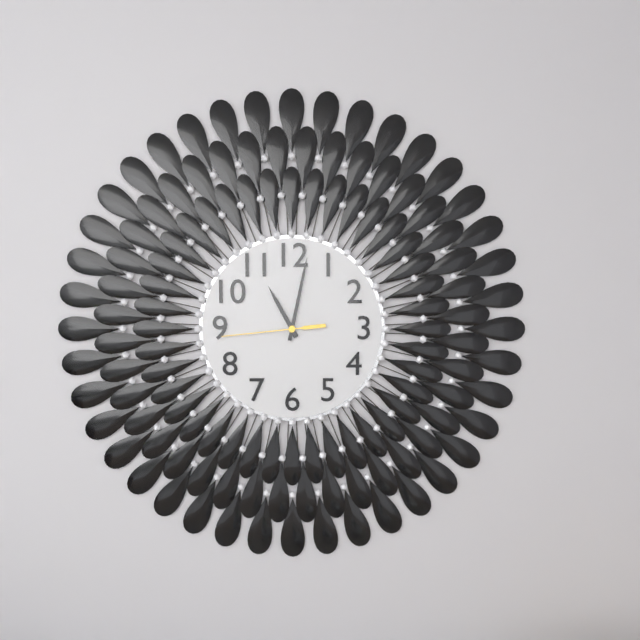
11:02:44
